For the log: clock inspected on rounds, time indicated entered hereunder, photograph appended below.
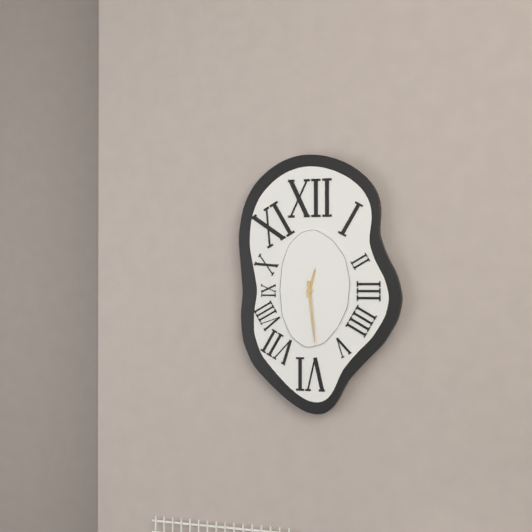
12:29
